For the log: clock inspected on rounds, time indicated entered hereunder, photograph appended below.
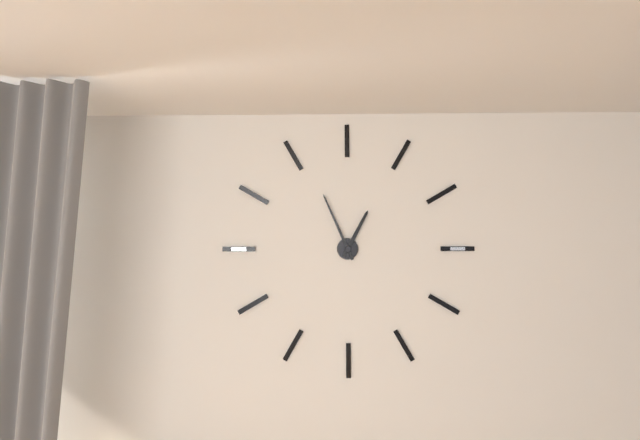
12:56
